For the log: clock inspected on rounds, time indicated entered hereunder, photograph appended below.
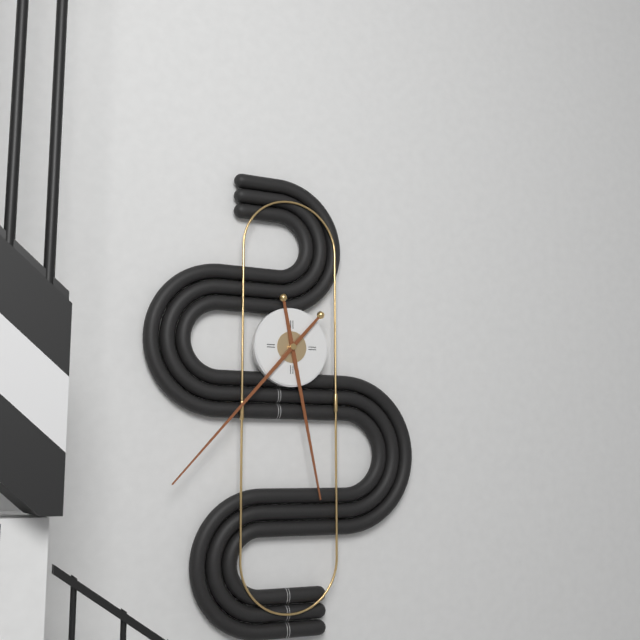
5:37
